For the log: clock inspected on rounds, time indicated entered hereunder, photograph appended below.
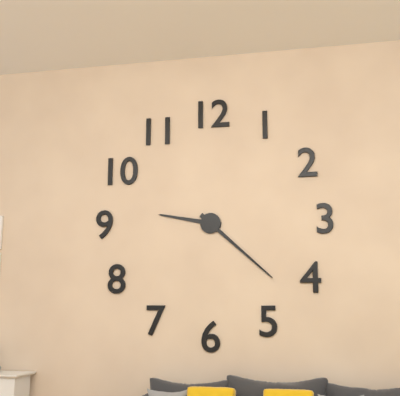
9:22
